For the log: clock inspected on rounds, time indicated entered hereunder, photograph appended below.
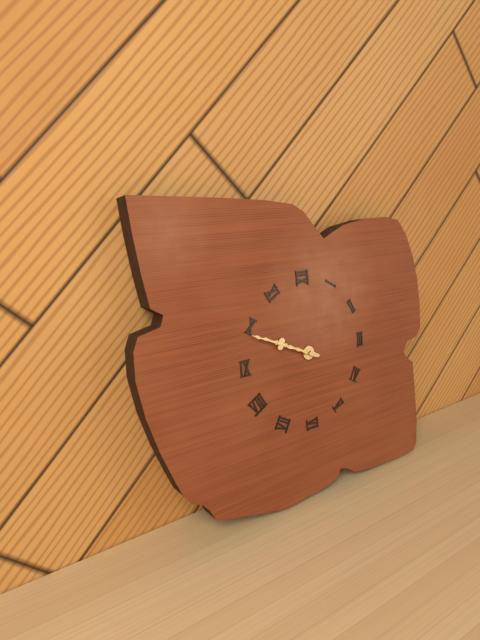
9:49
